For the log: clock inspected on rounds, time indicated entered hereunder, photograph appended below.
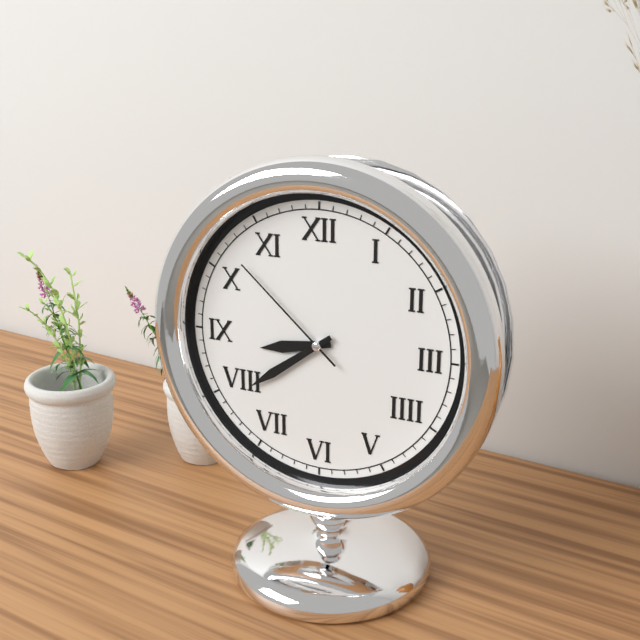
8:39:52
